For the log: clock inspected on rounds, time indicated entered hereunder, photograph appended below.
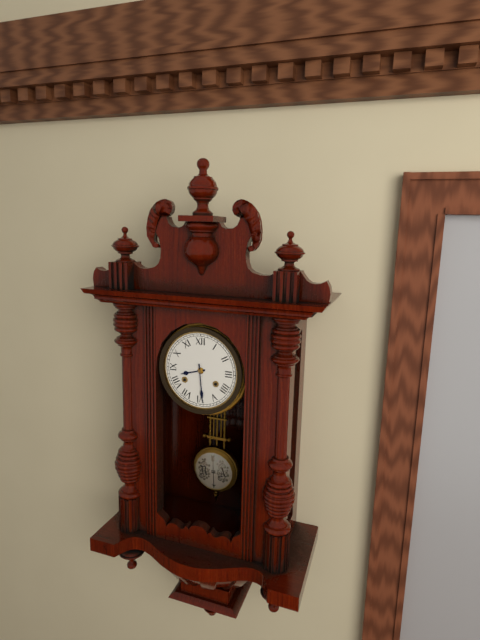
8:29
